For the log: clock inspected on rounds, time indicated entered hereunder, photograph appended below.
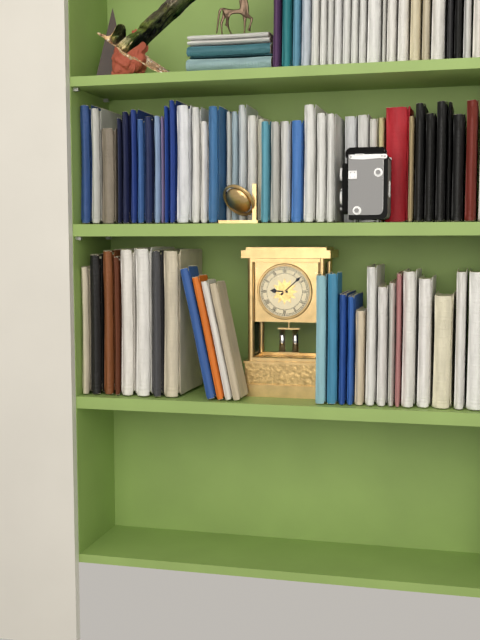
9:08
